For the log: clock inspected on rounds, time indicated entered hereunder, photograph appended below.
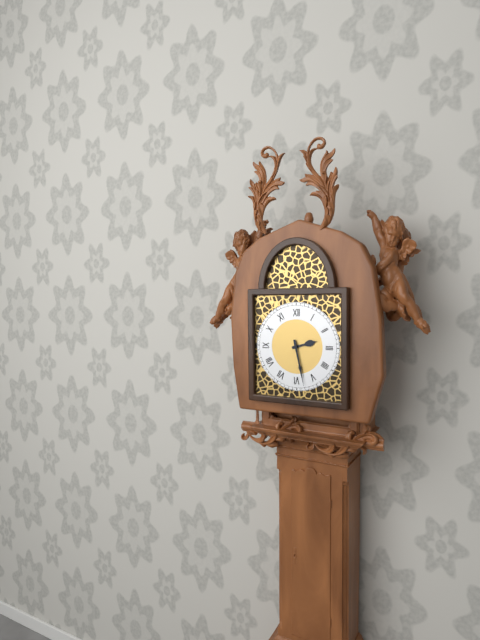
2:28
